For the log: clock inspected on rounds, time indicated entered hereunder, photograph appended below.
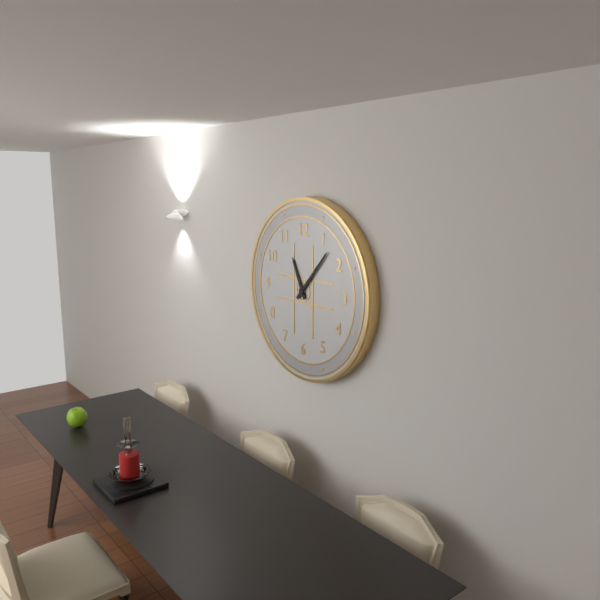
11:07
